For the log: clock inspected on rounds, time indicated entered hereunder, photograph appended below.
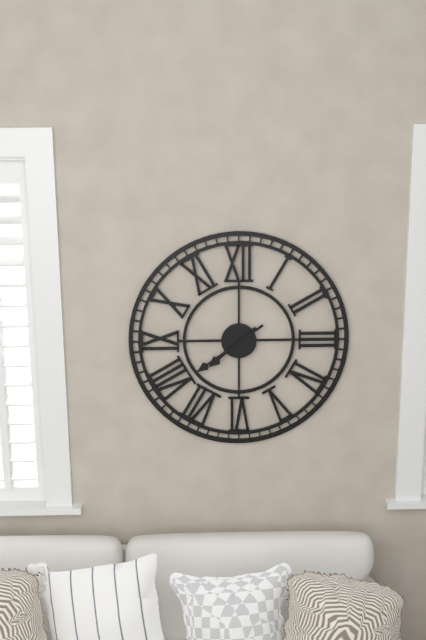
7:39
